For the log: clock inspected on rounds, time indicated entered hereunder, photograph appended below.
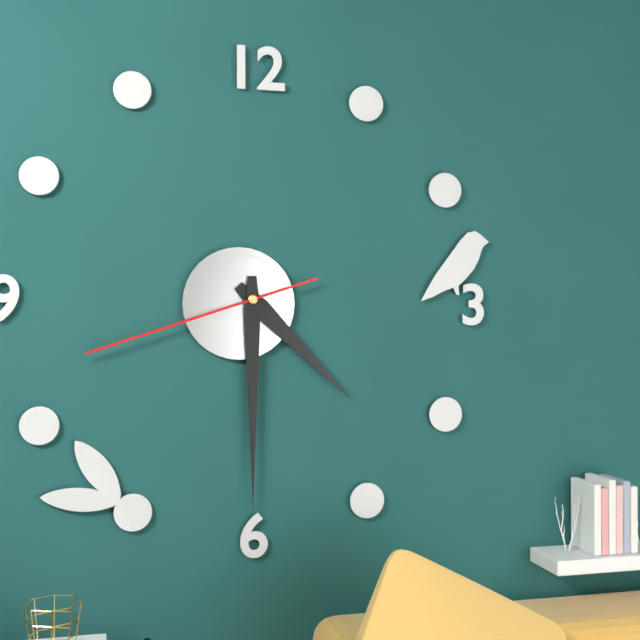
4:30:42
